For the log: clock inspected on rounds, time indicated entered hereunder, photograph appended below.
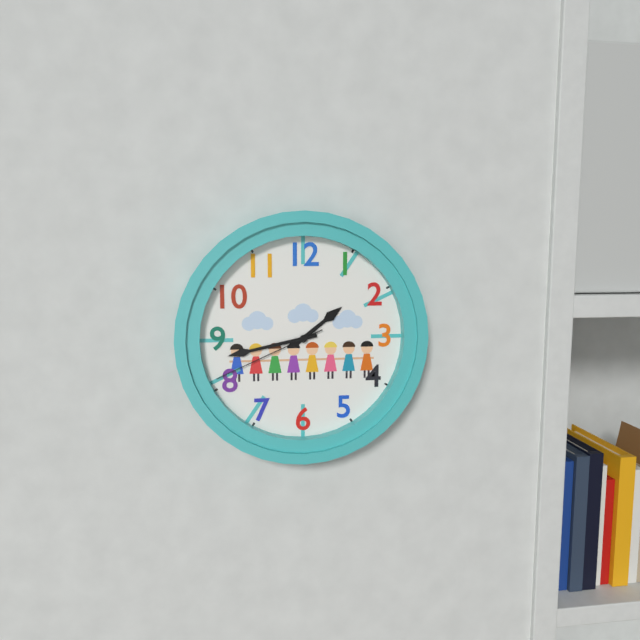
1:43:41
